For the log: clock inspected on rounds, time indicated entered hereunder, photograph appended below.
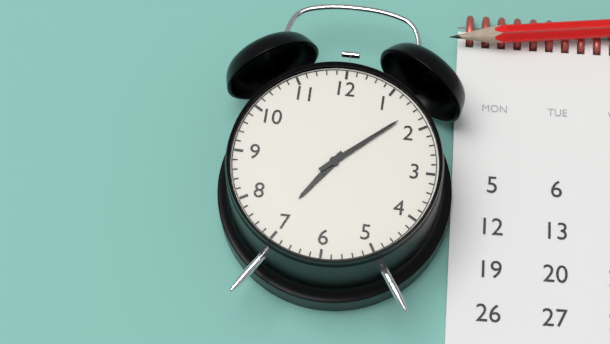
7:08
